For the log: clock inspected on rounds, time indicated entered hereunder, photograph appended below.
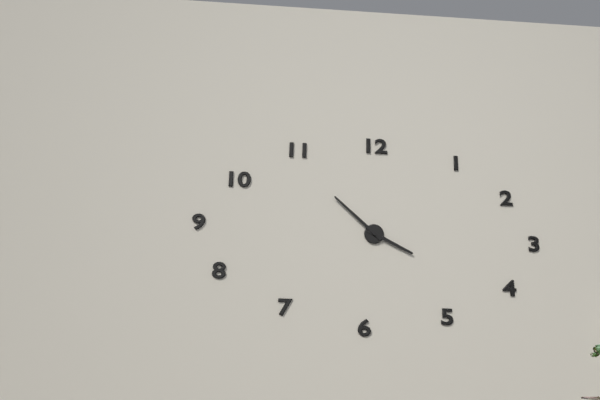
3:52
